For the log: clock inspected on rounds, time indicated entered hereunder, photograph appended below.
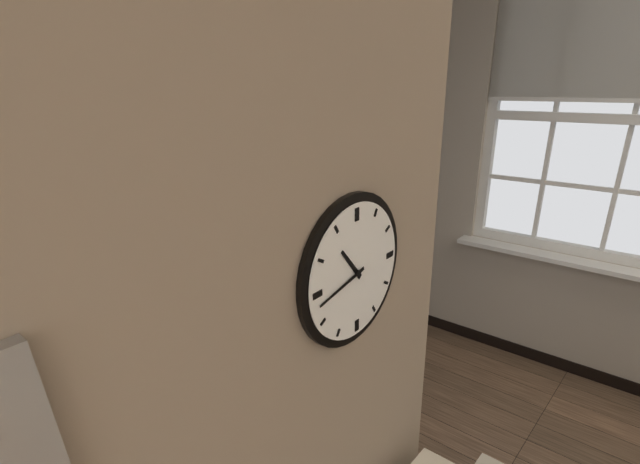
10:43
